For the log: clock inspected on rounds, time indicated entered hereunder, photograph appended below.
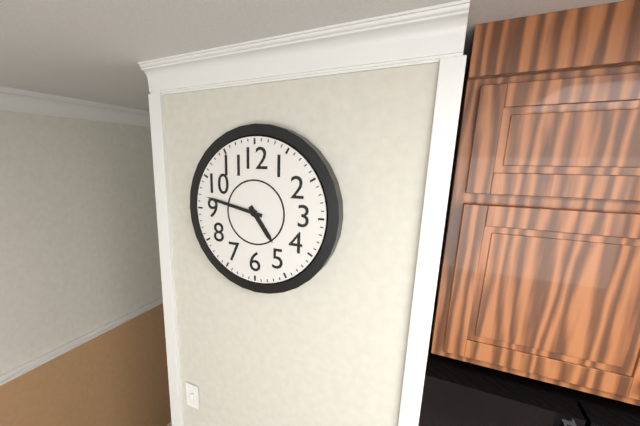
4:47
